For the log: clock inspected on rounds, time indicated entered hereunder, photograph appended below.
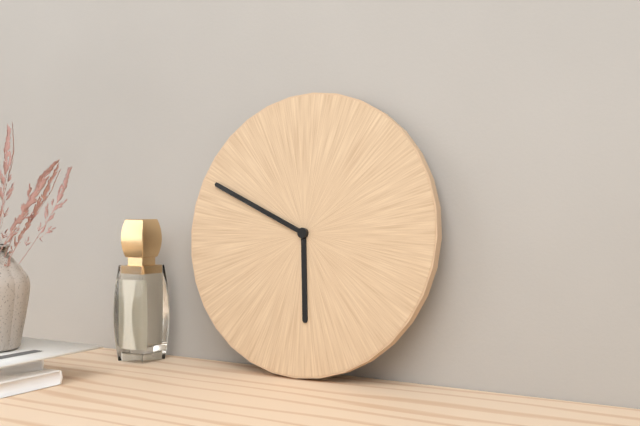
5:49
